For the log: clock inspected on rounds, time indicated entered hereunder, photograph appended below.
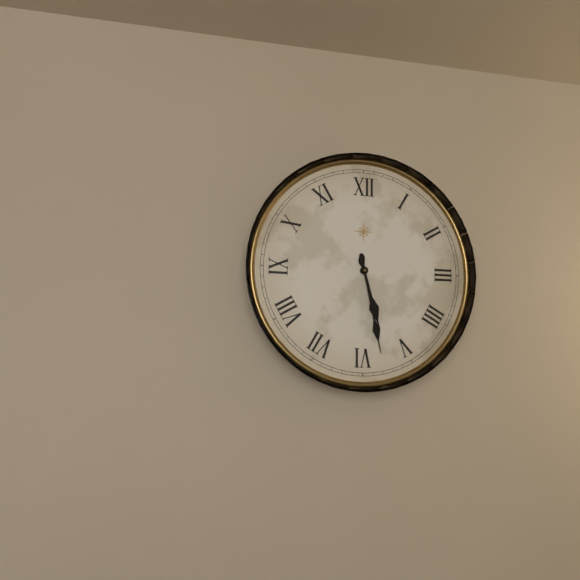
5:28
